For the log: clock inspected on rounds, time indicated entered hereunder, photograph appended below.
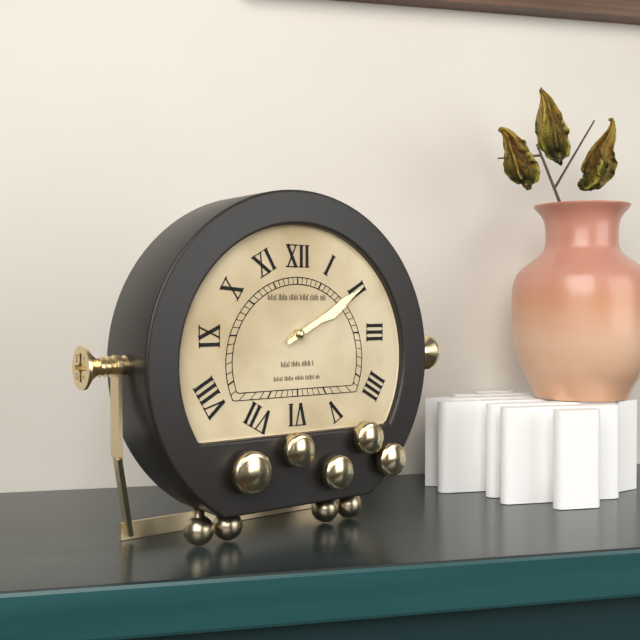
2:10
